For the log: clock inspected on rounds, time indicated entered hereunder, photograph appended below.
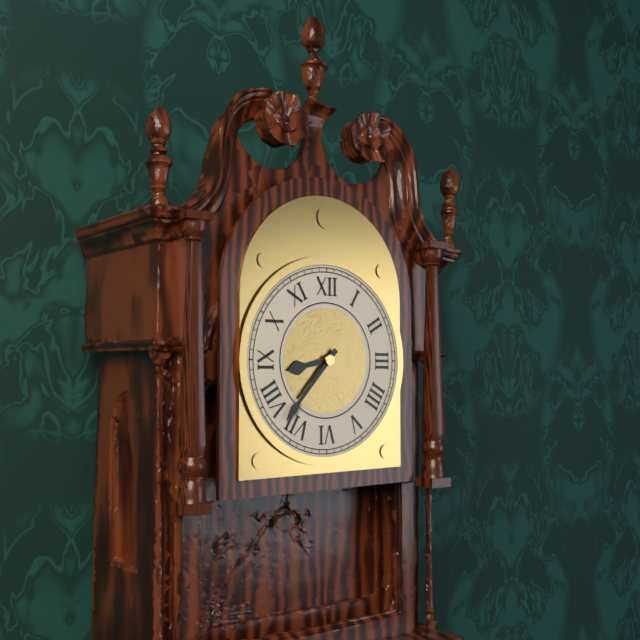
8:37
